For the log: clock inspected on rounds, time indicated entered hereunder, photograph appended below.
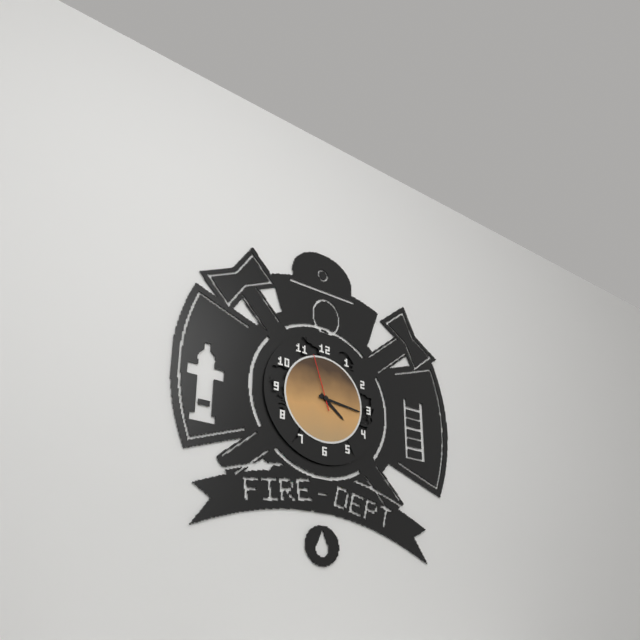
4:16:57
